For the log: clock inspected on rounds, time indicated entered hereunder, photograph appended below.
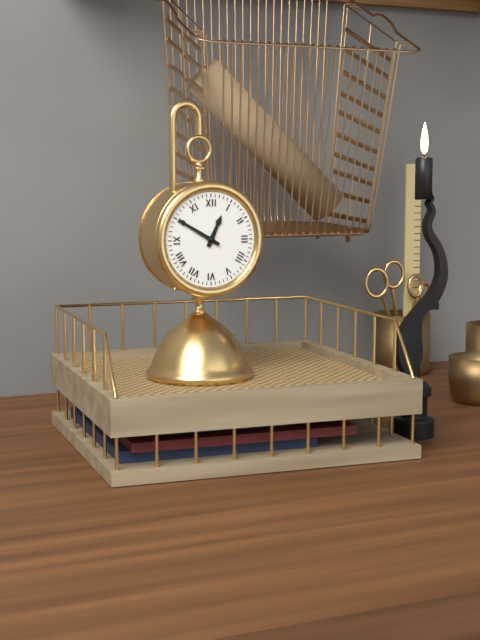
12:50
